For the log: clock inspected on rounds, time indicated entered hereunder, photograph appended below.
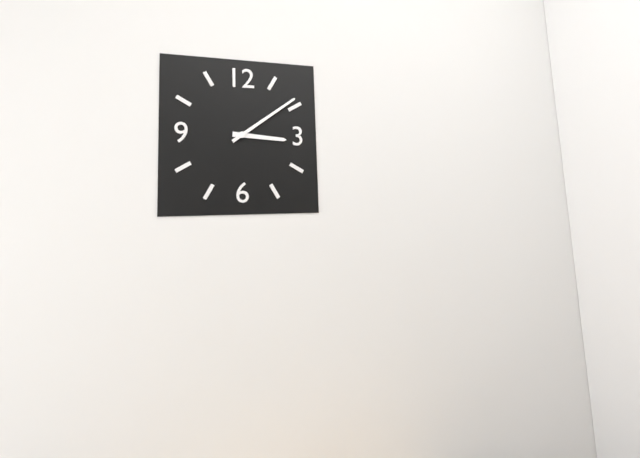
3:09
